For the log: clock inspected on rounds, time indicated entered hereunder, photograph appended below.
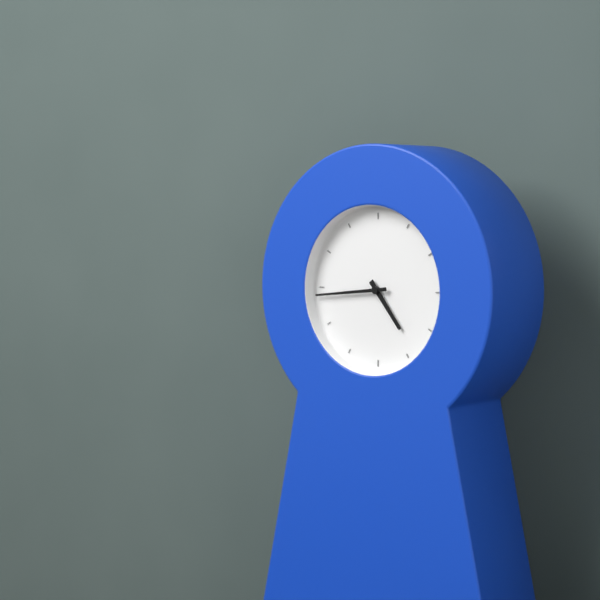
4:44
